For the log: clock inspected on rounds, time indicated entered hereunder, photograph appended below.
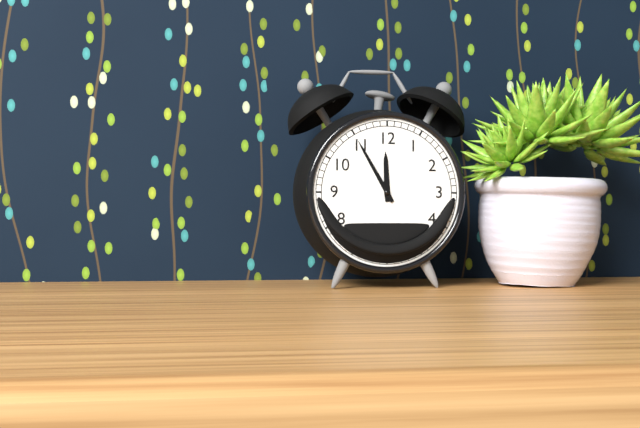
11:55
